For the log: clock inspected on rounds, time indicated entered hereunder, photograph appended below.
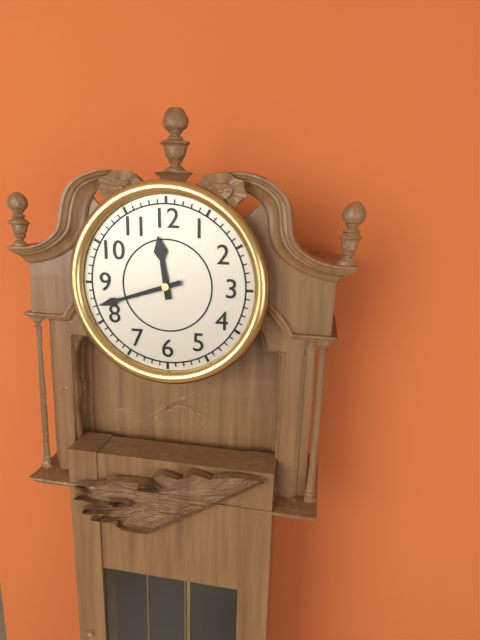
11:42
